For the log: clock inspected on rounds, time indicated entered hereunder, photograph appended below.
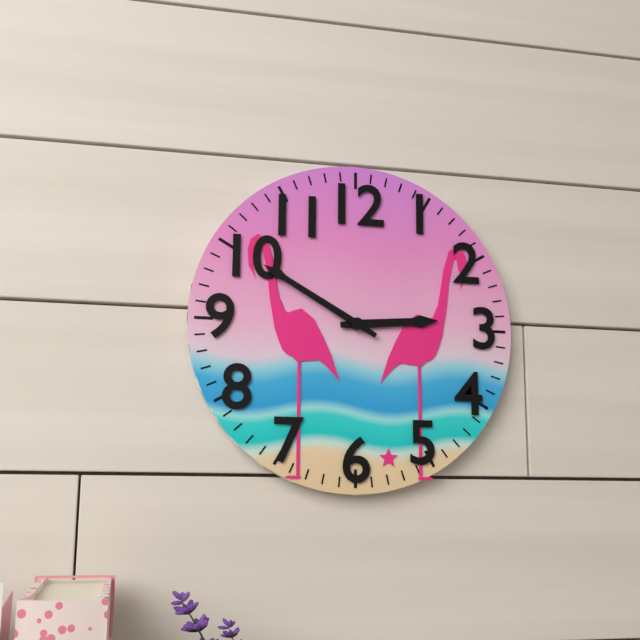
2:50
